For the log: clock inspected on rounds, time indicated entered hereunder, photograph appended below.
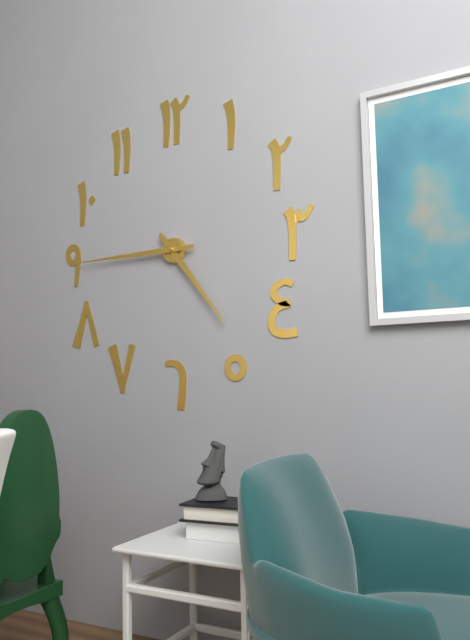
4:45
